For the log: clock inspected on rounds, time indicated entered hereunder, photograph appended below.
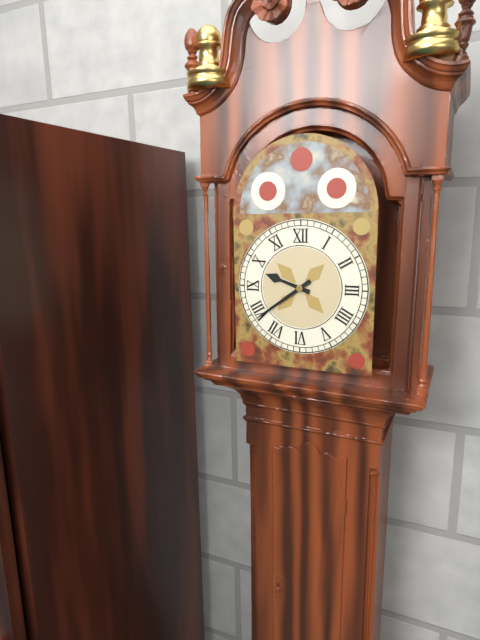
9:39
